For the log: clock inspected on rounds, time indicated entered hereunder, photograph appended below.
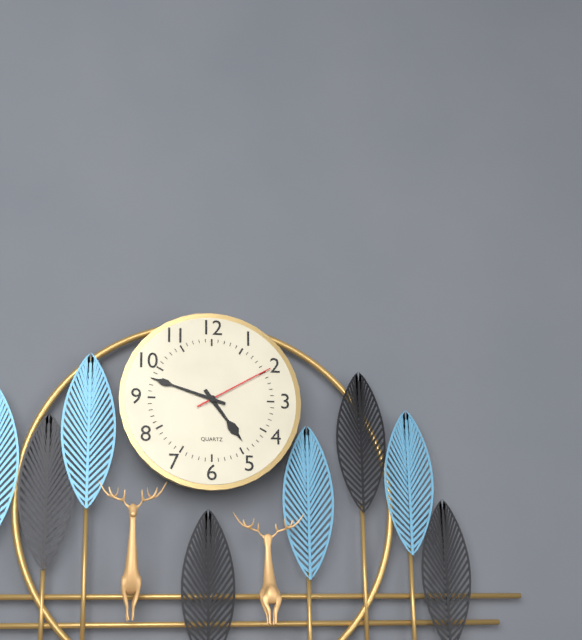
4:48:10
